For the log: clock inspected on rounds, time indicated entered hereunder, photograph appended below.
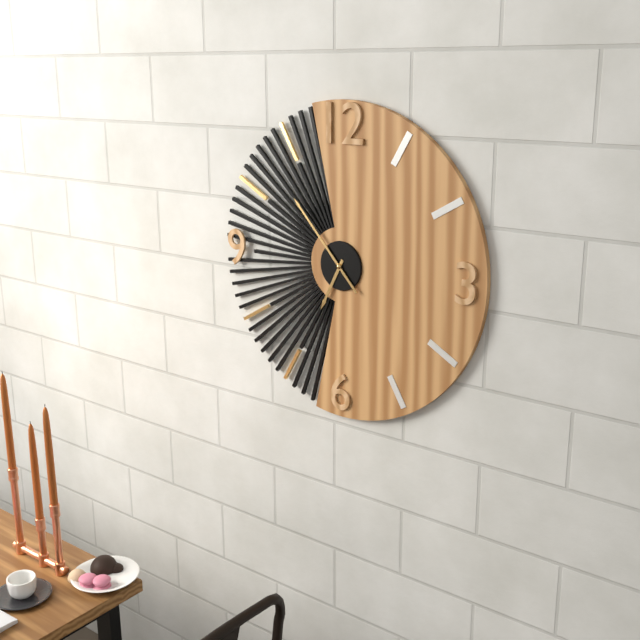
6:53
